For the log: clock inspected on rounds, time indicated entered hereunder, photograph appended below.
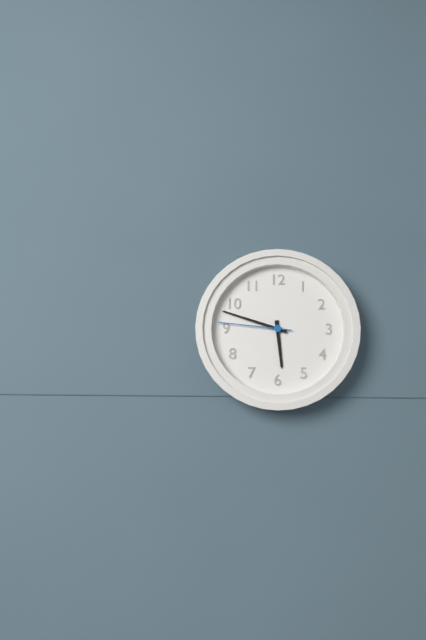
5:48:46
